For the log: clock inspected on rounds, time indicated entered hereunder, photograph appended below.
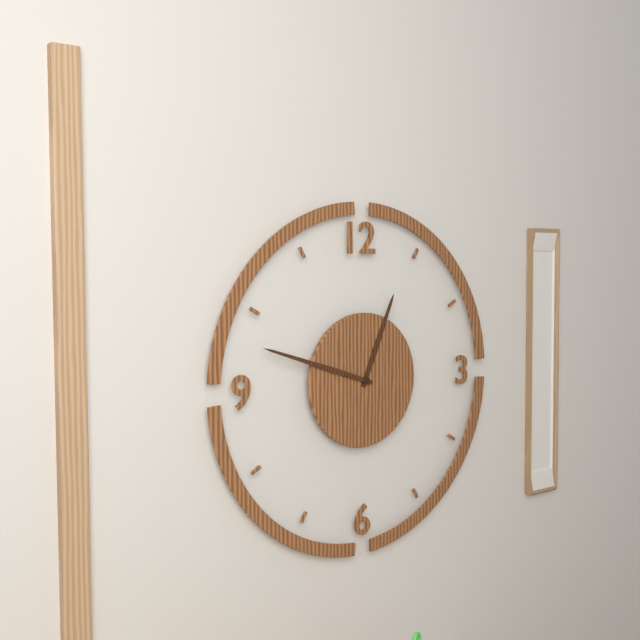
12:48
